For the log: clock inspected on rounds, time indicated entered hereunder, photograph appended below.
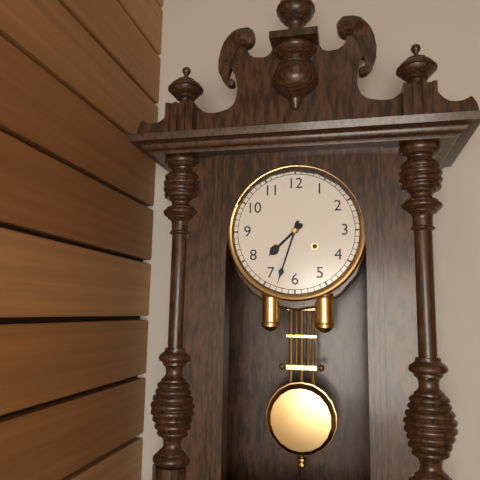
7:33
